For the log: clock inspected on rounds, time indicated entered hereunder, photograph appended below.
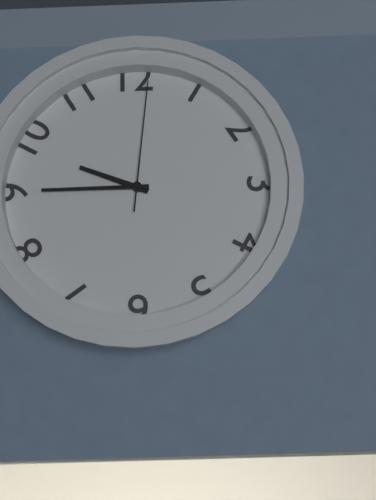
9:45:01
